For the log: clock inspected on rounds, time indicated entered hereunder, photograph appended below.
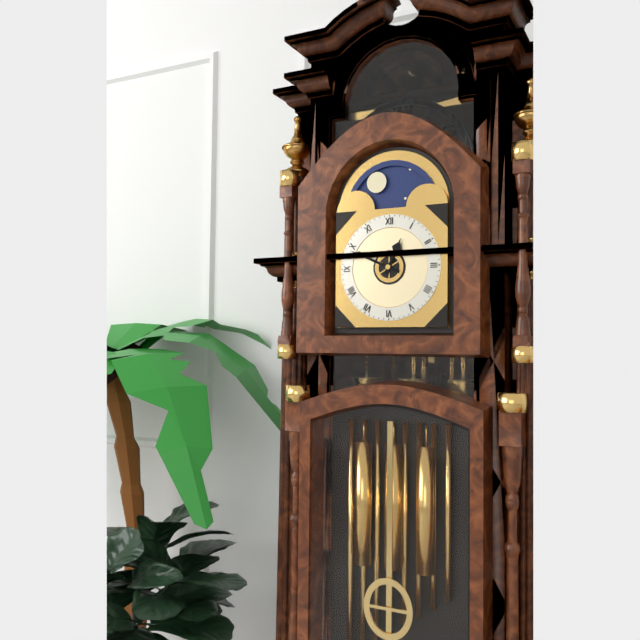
12:49
